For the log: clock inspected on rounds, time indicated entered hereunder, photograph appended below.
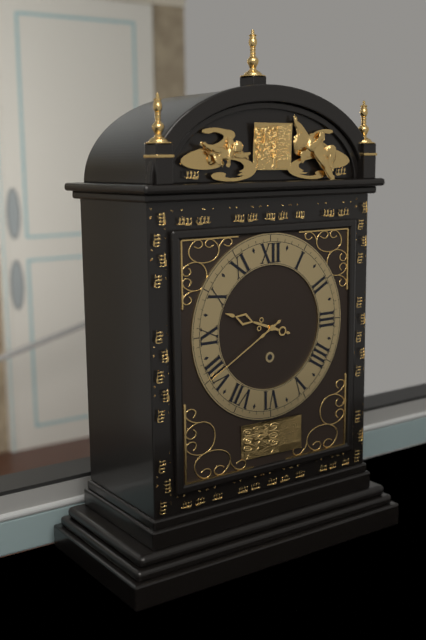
9:40
